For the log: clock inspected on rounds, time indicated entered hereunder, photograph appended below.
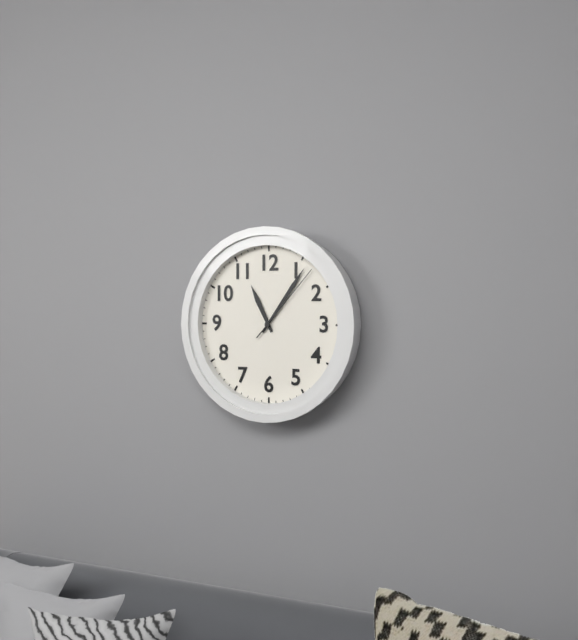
11:06:07
